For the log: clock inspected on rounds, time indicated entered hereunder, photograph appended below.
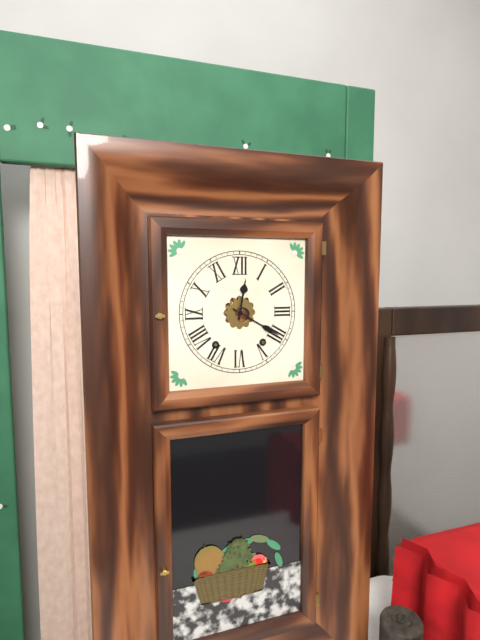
12:20
